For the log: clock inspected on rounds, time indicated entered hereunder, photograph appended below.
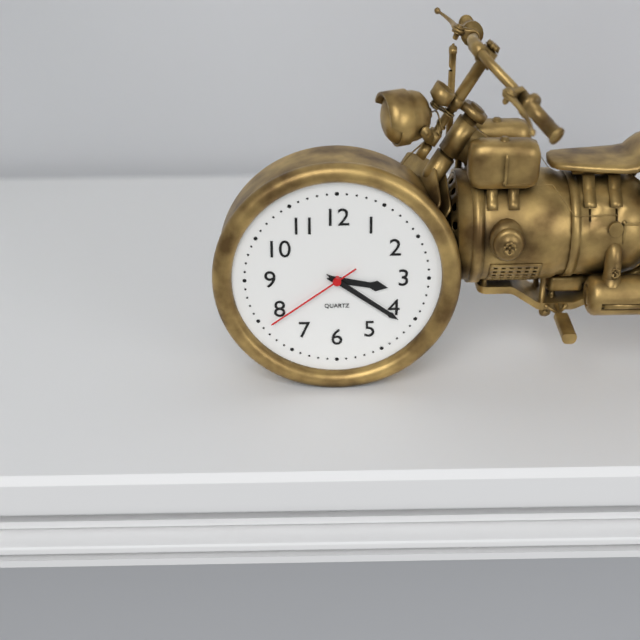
3:21:39
